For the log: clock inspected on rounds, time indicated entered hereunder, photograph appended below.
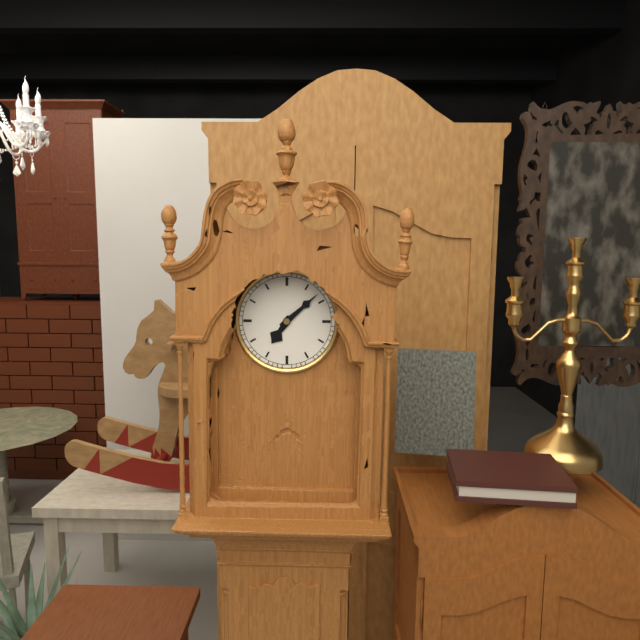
7:08
